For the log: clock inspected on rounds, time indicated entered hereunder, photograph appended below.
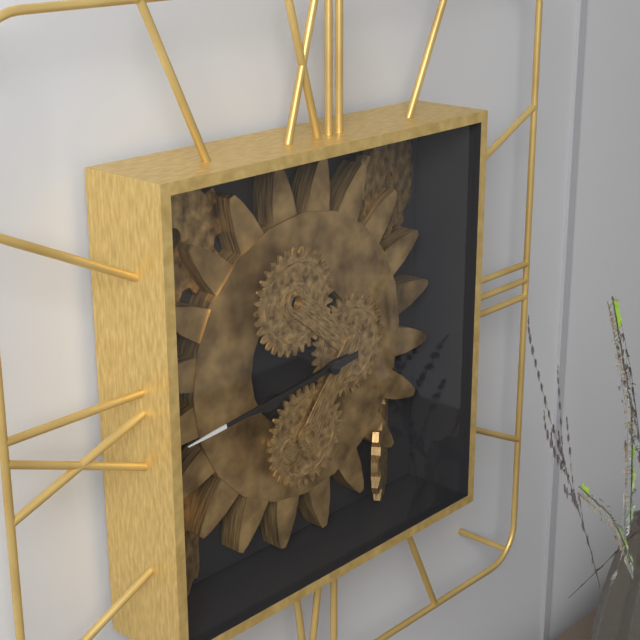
8:44
